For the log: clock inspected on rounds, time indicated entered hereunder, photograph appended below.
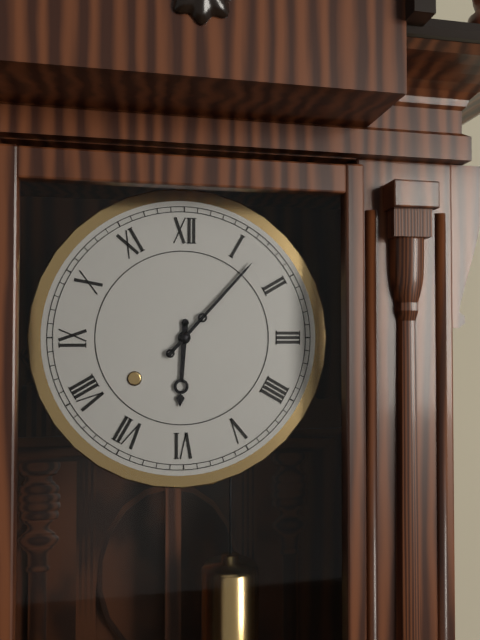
6:07
